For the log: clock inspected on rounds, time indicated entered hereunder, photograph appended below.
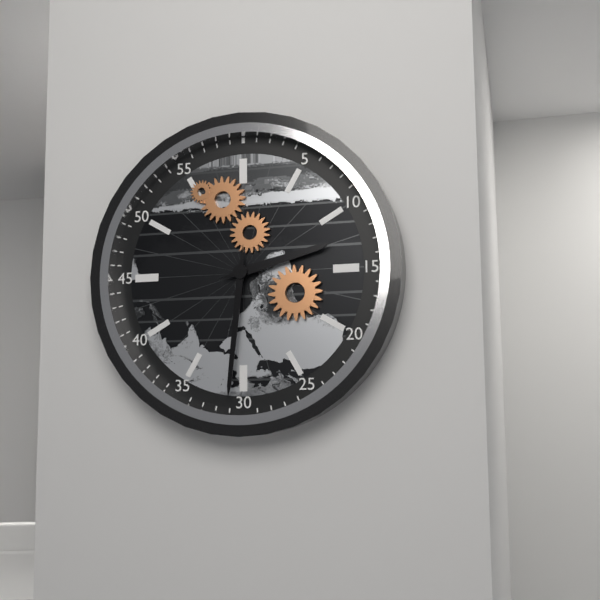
2:31
